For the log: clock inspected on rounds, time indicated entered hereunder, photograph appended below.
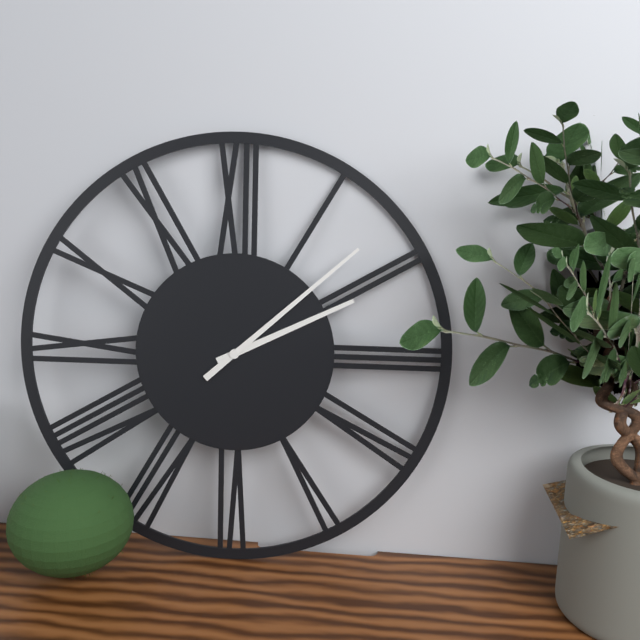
2:08
